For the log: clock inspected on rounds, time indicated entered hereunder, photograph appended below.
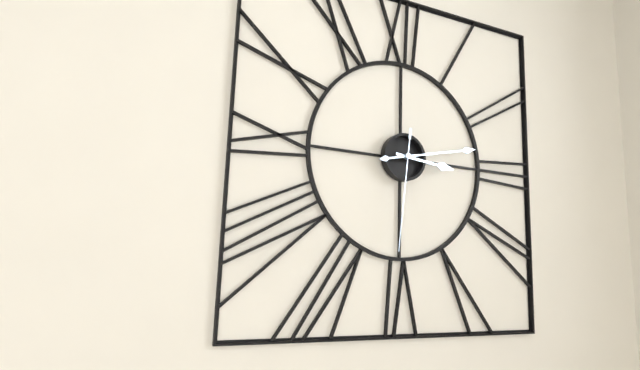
3:13:31
